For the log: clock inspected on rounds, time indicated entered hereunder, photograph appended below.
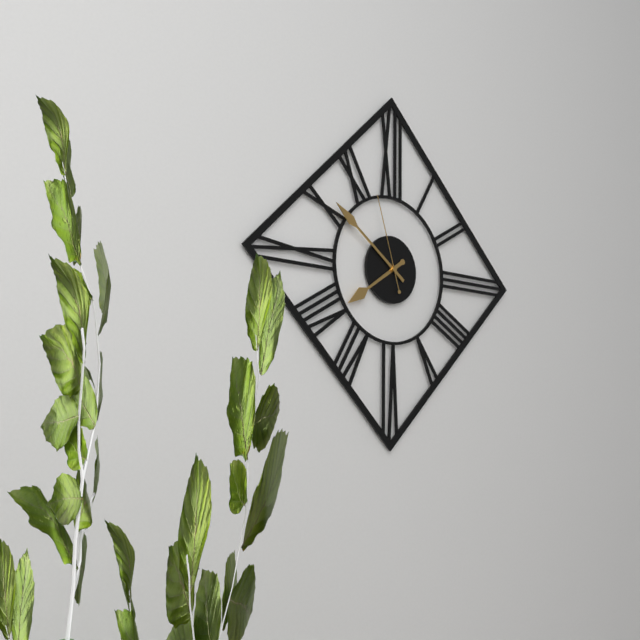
7:51:57
